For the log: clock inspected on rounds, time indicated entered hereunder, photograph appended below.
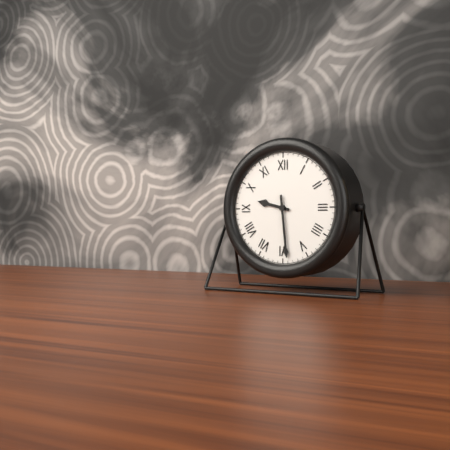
9:29
